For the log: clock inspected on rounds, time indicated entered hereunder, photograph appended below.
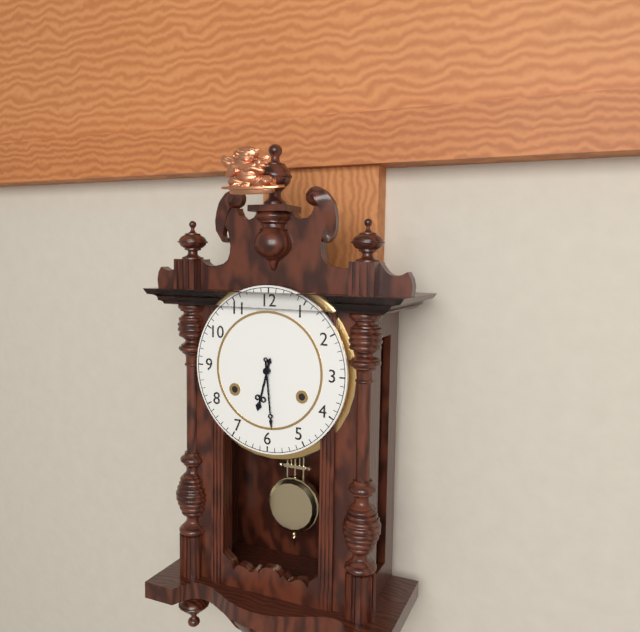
6:29
